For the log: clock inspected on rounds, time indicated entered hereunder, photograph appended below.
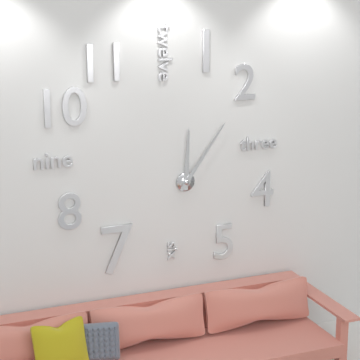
12:06
